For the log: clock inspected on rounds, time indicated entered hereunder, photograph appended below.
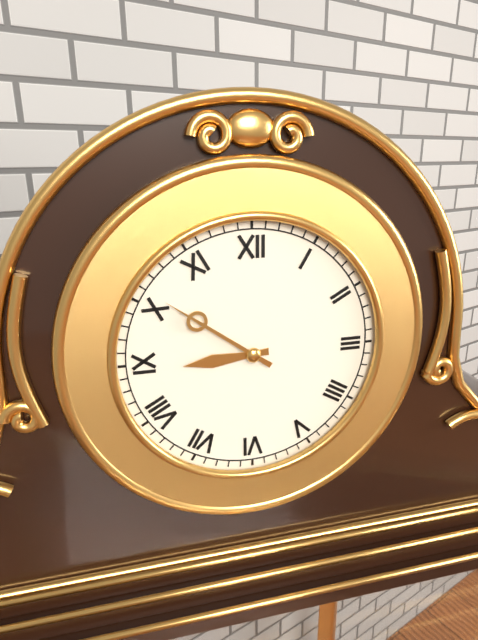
8:51
